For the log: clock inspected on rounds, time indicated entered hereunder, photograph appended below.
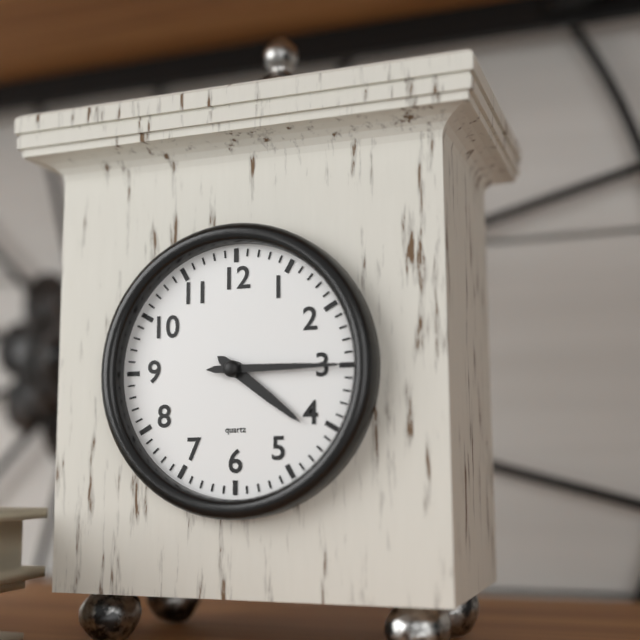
4:15
